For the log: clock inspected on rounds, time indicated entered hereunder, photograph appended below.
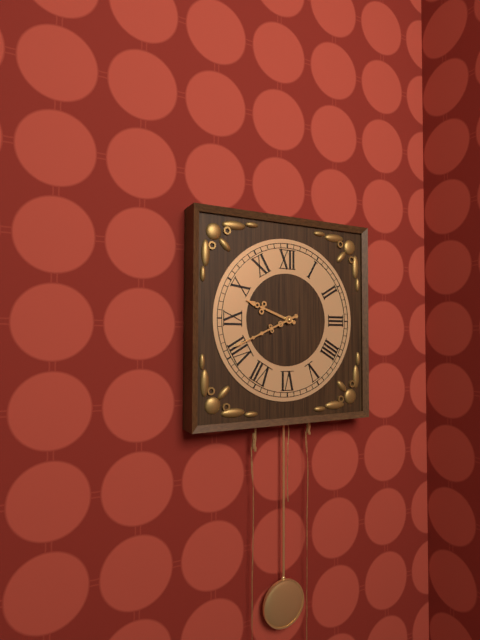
9:41
